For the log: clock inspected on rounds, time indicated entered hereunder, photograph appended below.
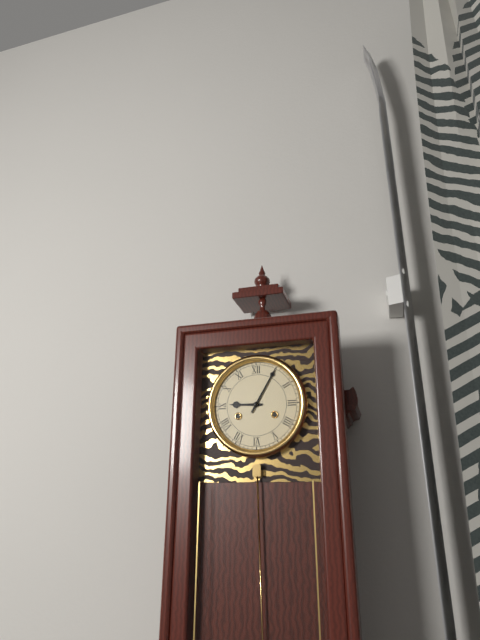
9:05
